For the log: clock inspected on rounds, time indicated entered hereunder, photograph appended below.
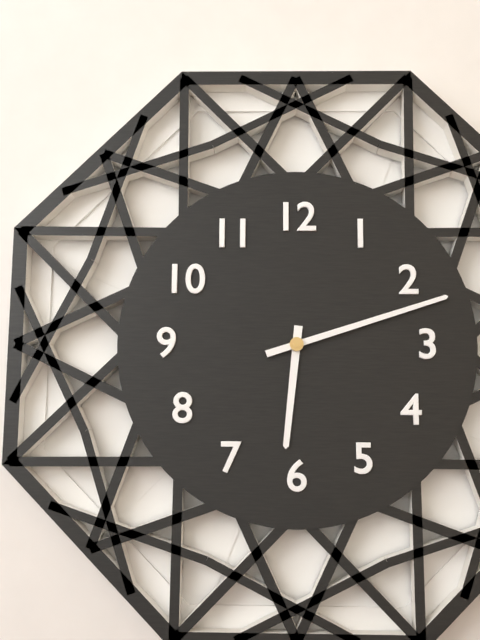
6:12
